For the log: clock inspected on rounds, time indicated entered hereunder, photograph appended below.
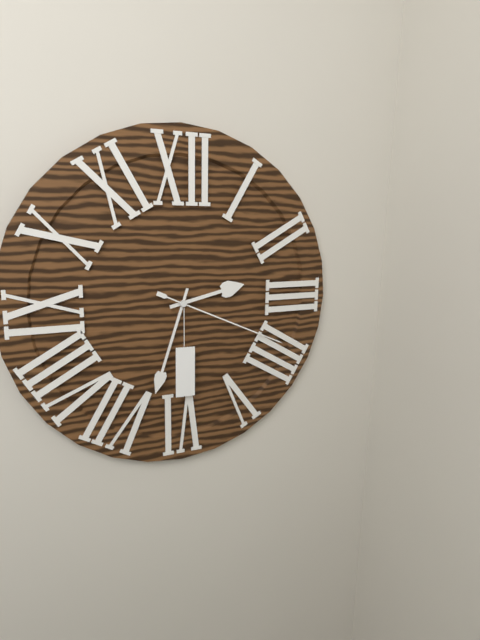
2:33:19
